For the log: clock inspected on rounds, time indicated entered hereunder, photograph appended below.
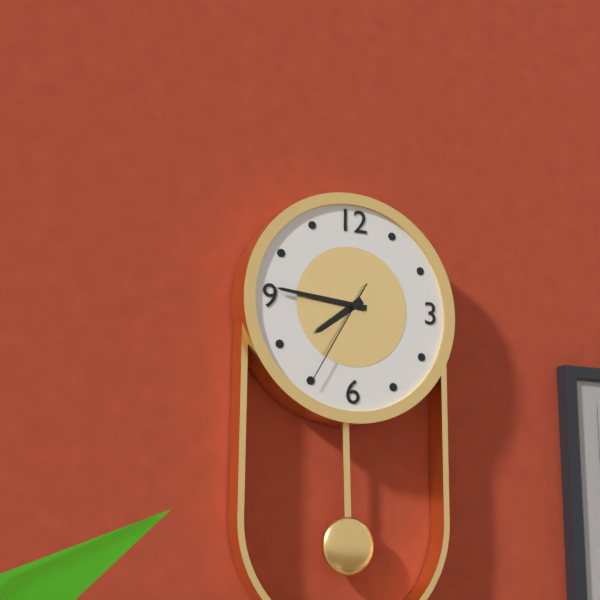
7:46:35
